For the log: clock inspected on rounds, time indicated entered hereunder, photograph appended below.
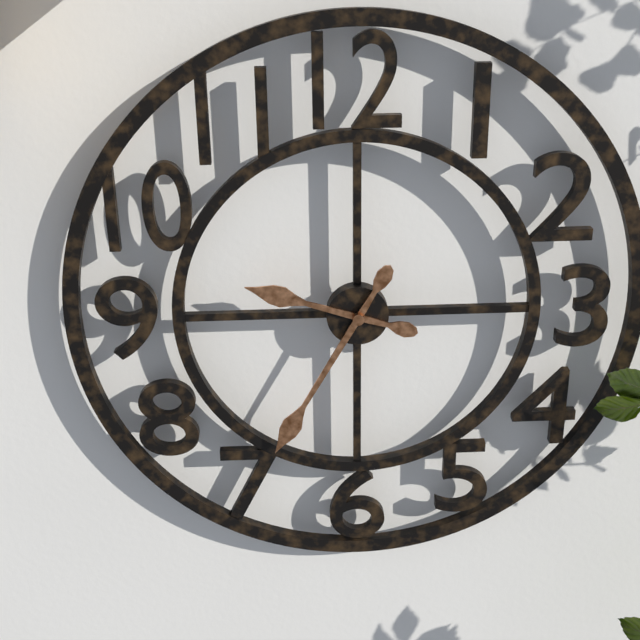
9:35
